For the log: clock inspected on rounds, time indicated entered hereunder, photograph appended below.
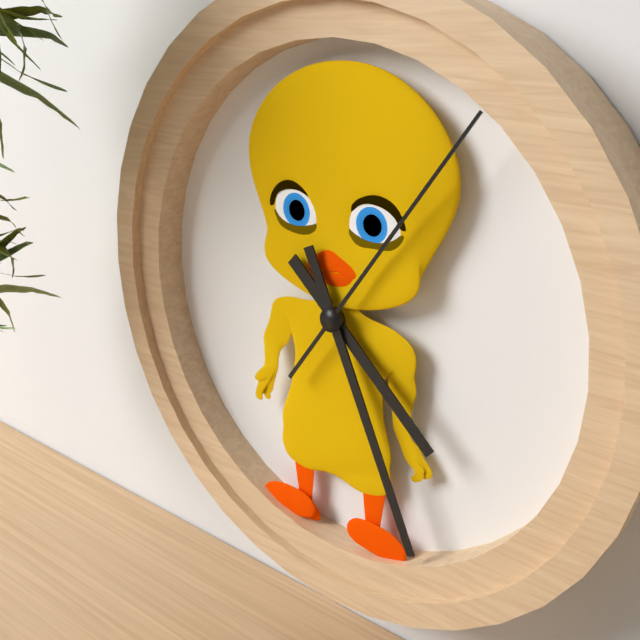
4:26:06
